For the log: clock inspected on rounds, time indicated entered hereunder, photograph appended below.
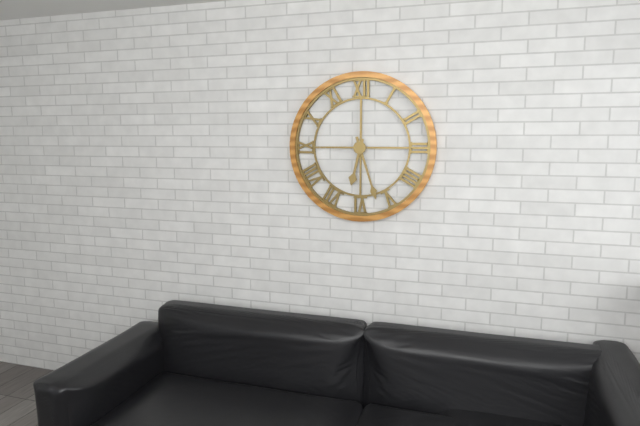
6:27
